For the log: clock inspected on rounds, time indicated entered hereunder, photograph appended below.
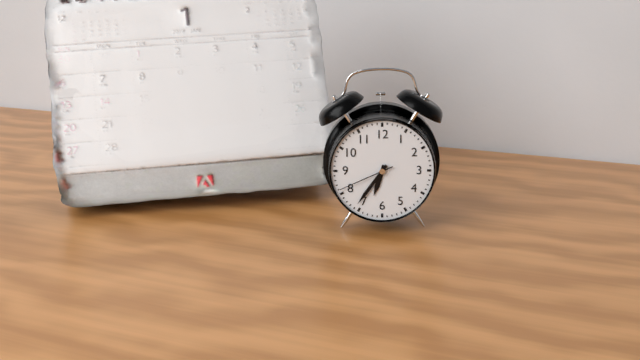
6:36:41
